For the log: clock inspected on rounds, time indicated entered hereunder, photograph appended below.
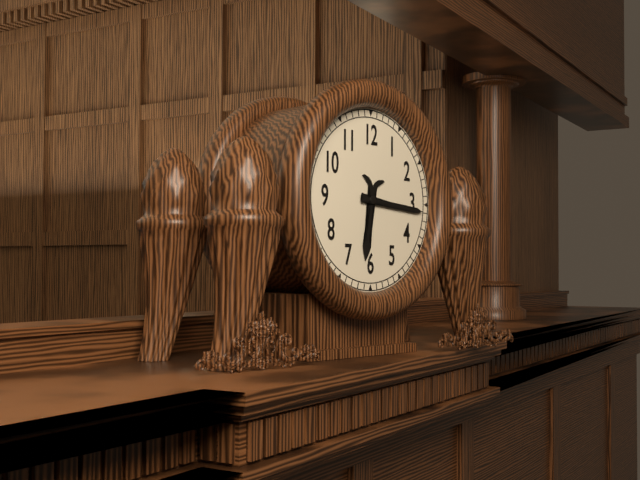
6:16
